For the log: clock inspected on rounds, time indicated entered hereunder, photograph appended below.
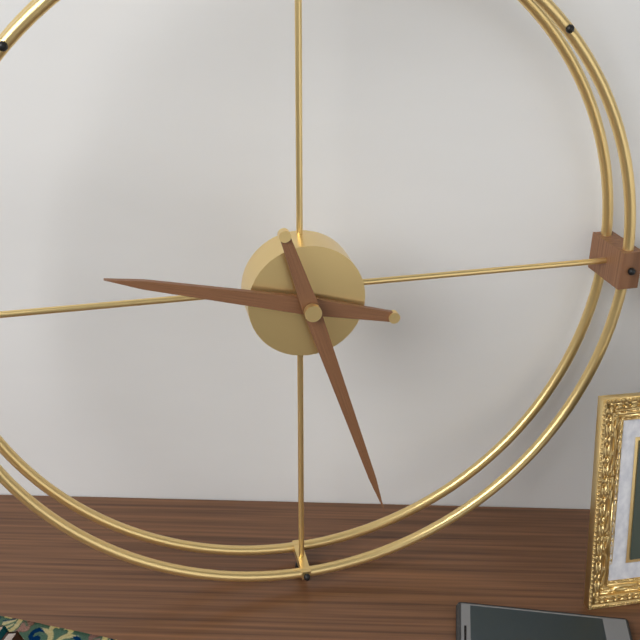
9:27
